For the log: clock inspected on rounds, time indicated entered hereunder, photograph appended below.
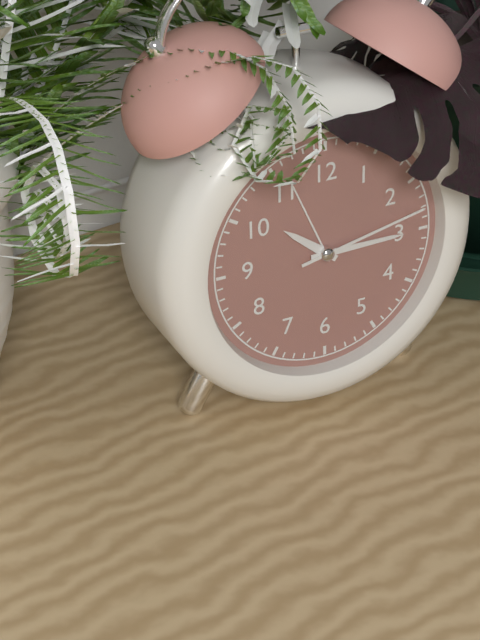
10:15:13
